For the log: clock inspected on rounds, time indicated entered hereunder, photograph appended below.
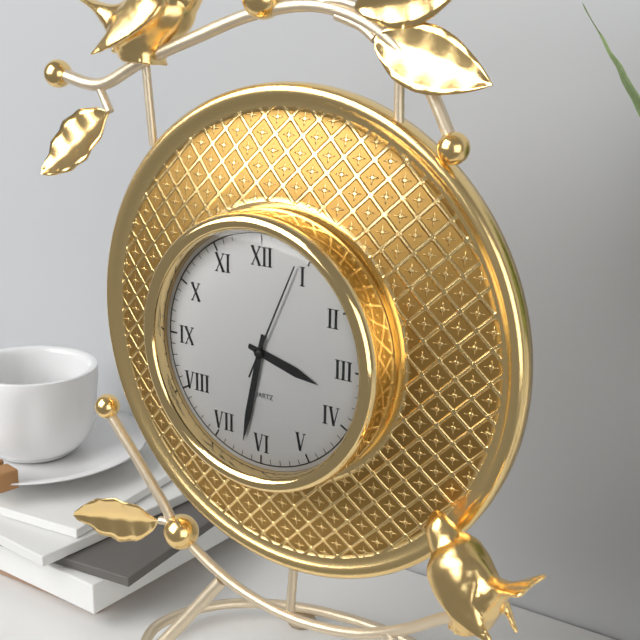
3:32:04
